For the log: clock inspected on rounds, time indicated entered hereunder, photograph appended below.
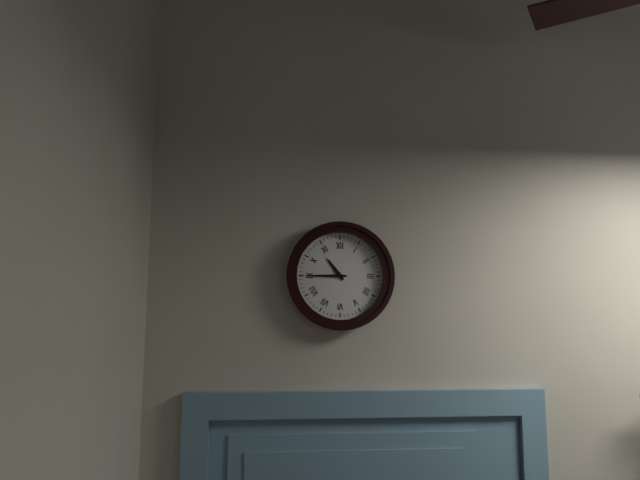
10:45
